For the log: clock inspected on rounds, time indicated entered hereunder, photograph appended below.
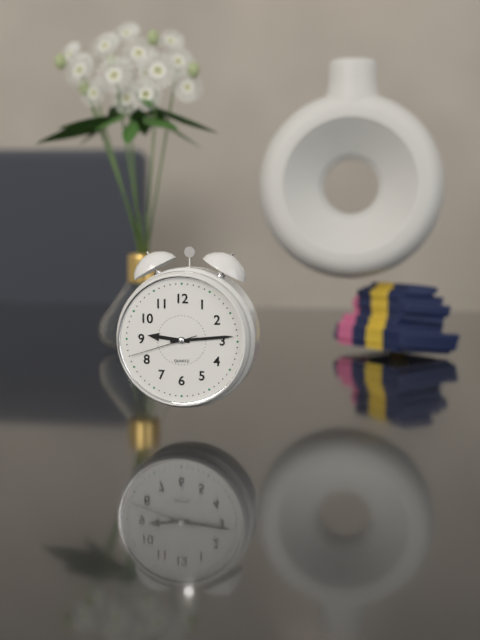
9:14:42
